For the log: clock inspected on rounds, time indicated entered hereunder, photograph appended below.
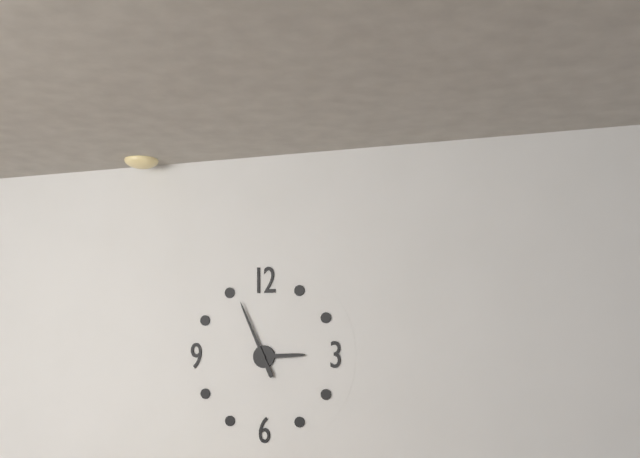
2:56
